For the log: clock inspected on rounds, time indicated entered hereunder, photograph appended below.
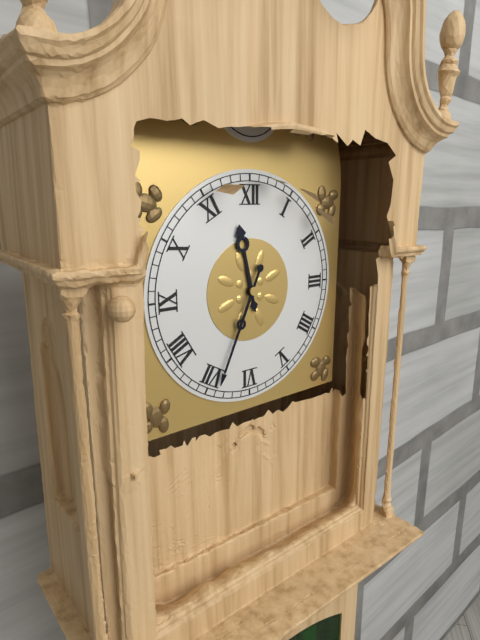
11:34
